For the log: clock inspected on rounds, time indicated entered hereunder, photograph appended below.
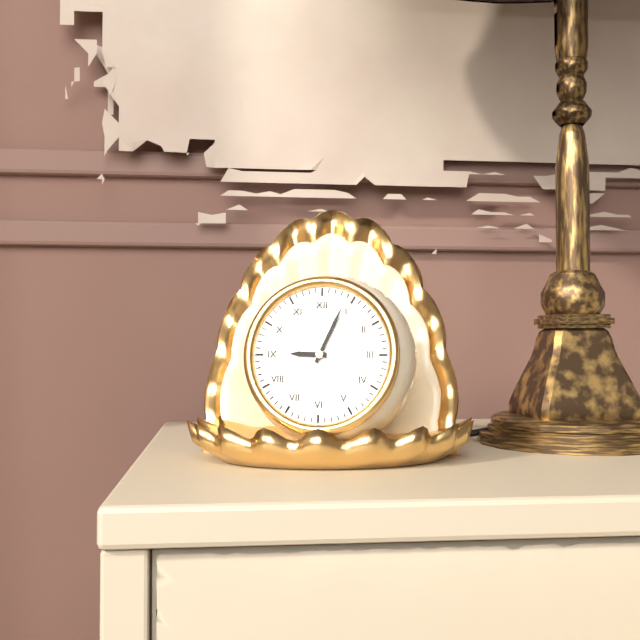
9:04
